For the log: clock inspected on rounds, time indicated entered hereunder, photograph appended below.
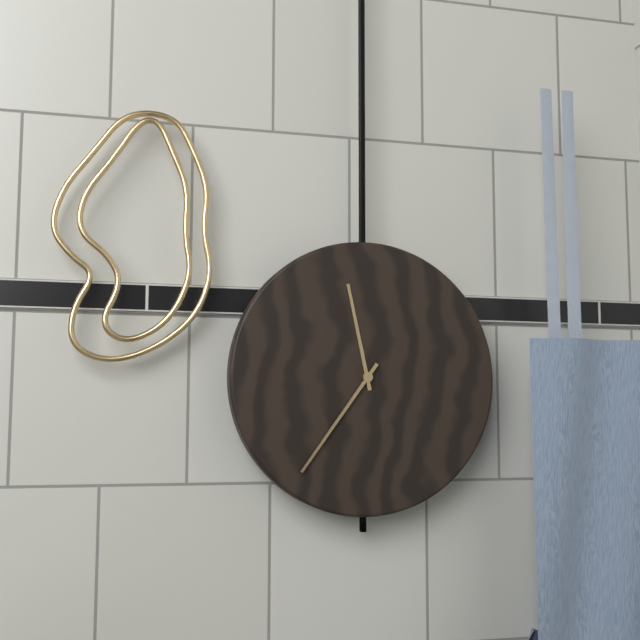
11:36
